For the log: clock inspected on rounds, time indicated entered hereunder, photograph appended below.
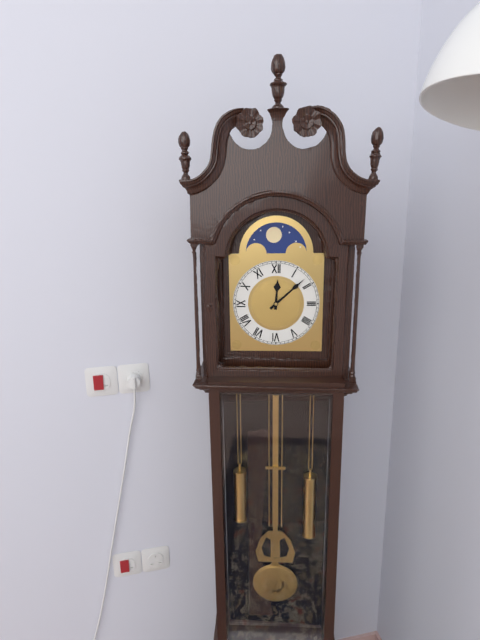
12:08
